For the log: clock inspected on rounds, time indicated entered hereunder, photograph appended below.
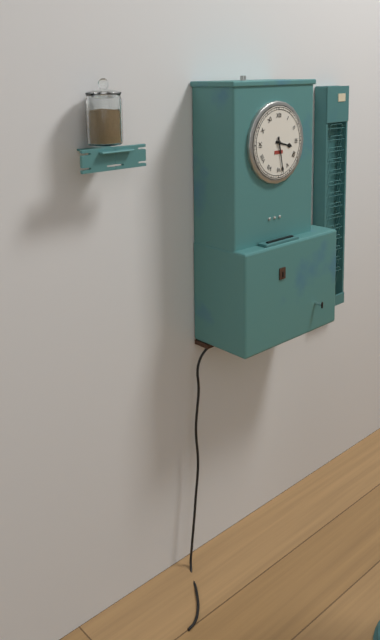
3:28
